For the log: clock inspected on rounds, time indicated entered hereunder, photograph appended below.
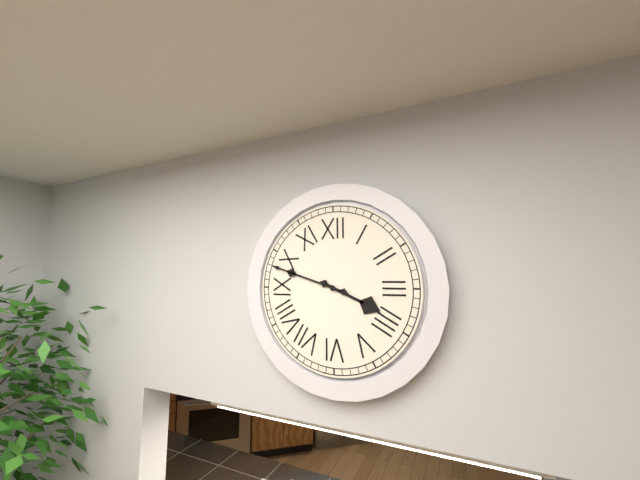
3:48
